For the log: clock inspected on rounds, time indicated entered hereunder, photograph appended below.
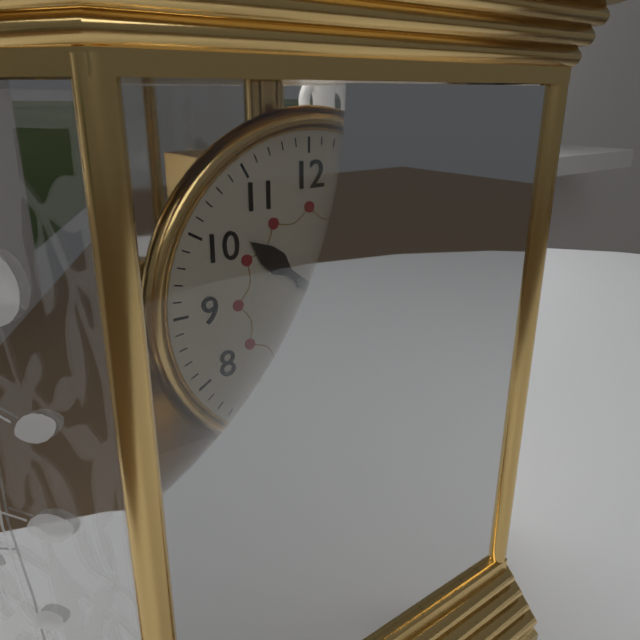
10:21
